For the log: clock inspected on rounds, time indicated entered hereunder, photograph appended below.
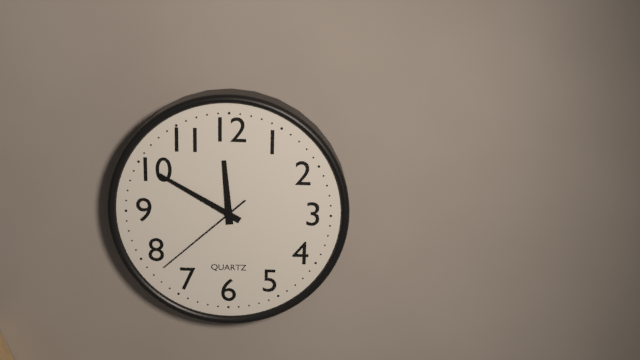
11:50:38
